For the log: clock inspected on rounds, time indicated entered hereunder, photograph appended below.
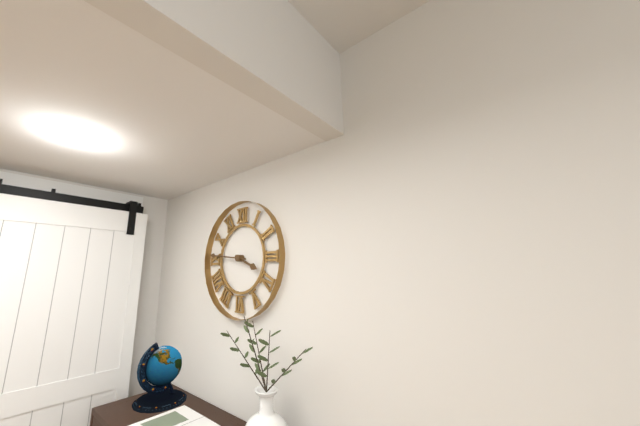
3:46
